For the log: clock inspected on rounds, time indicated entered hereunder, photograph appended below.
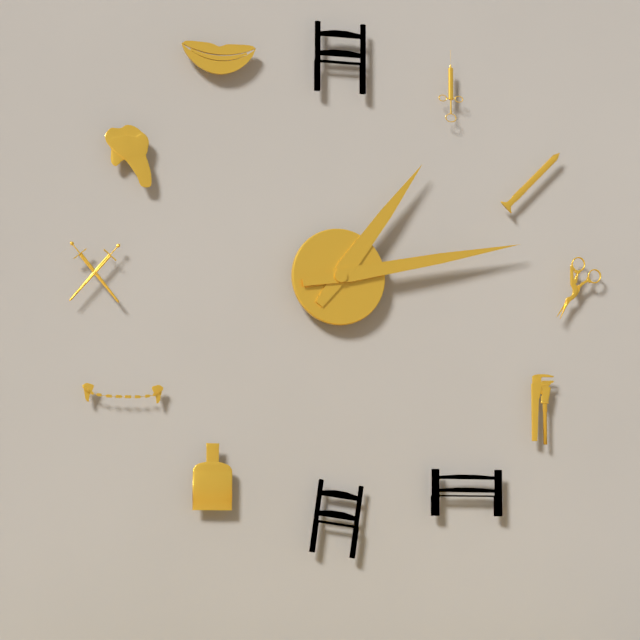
1:13
